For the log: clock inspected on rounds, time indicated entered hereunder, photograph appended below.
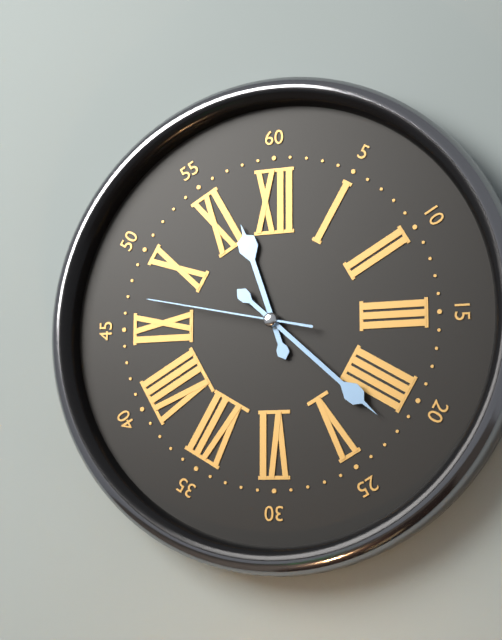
11:22:47
